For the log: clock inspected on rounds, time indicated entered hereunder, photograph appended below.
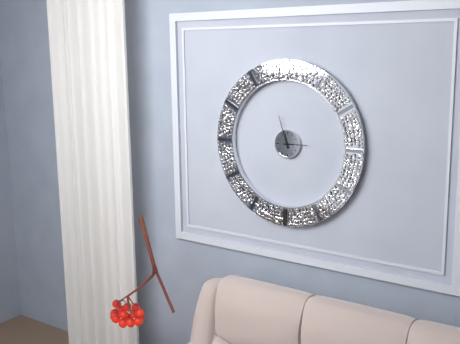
2:57
